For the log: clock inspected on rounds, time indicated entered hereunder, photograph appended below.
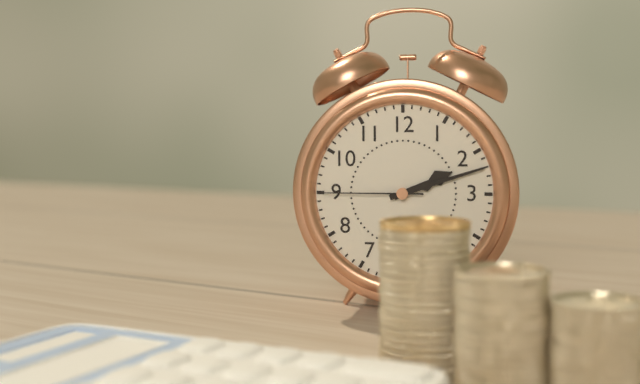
2:12:45
